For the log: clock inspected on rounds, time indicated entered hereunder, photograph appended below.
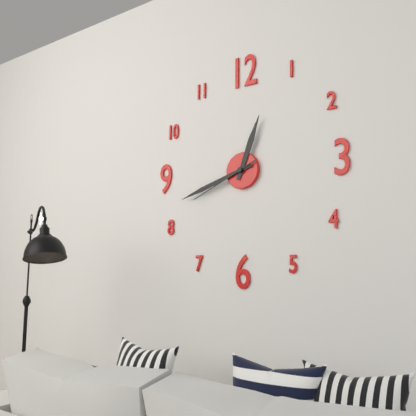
12:42:41
